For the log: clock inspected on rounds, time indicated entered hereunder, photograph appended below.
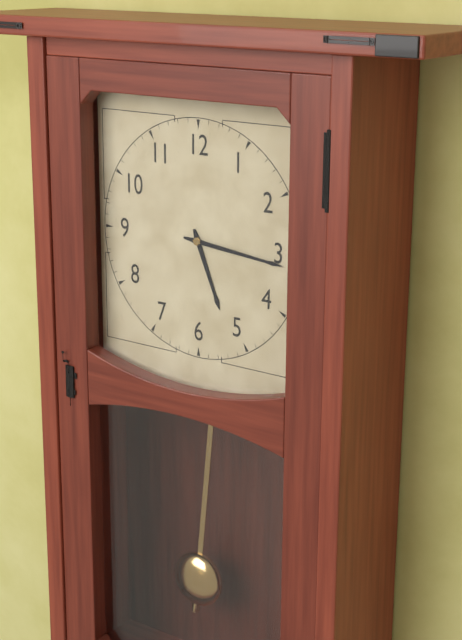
5:16
